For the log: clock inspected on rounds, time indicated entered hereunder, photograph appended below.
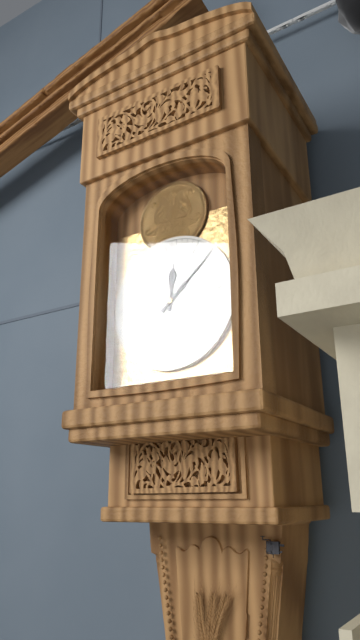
12:08
